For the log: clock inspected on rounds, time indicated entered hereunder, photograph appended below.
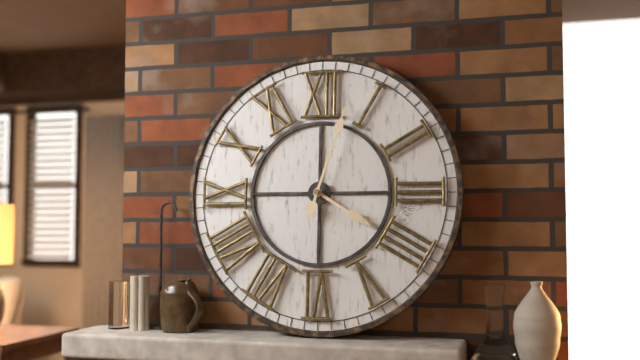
4:03
